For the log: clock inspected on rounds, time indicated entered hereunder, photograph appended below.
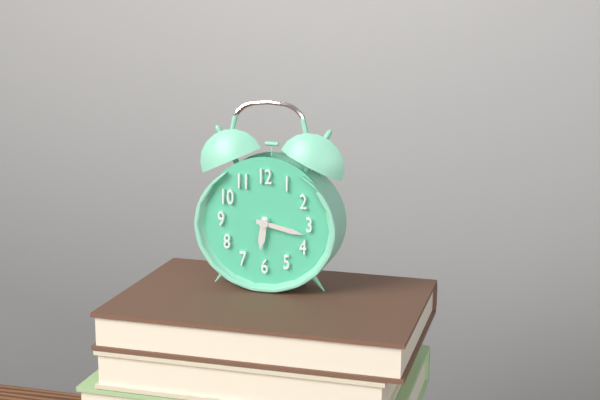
6:17
